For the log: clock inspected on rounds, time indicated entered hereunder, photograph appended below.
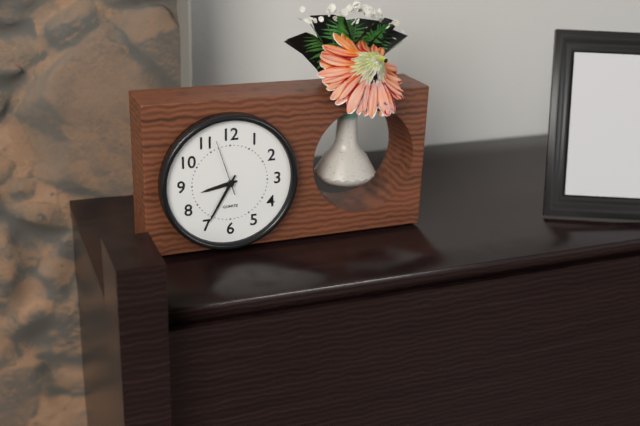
8:35:57
